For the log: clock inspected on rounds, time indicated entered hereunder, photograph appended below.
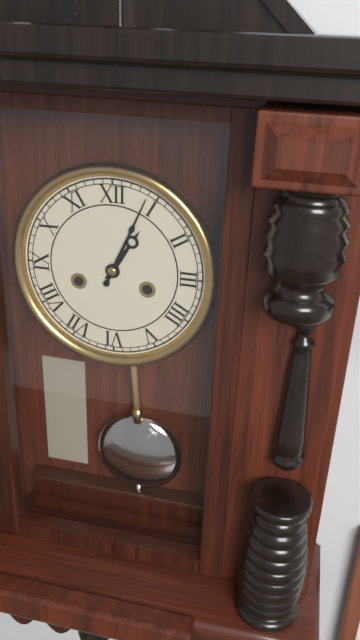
1:04
